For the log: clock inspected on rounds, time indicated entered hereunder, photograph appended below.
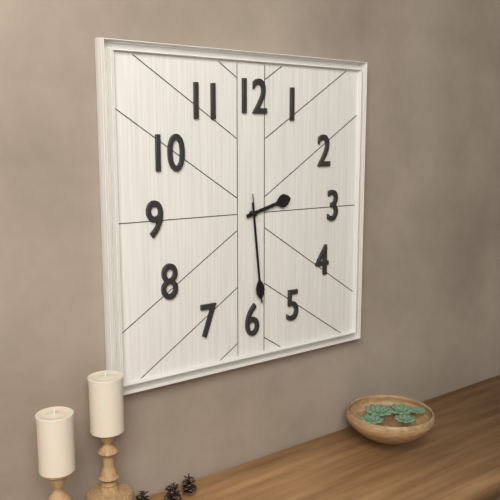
2:29:29
